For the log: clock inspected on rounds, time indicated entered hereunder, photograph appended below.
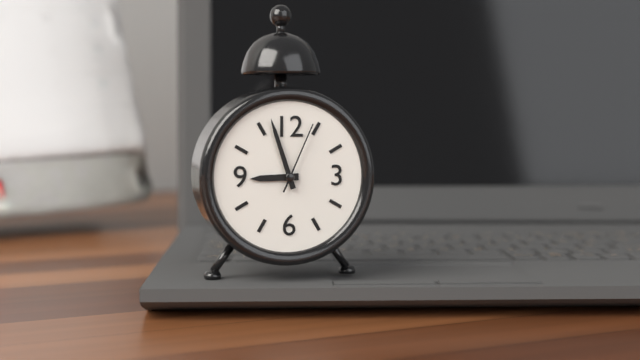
8:57:04
